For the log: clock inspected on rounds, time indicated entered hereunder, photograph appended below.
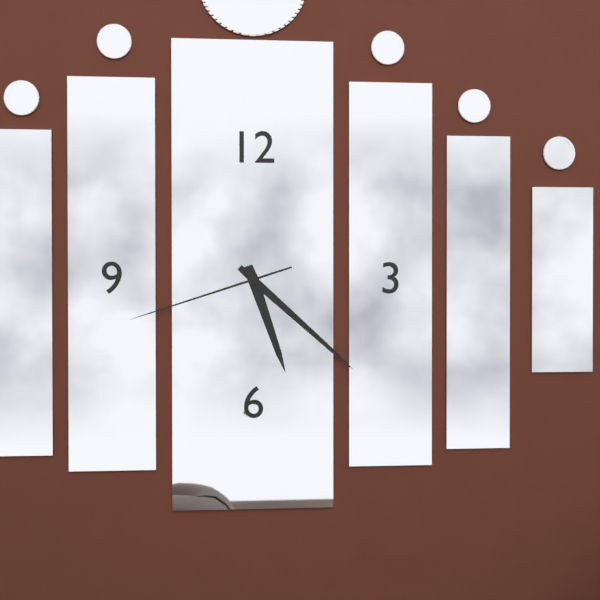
5:22:42
